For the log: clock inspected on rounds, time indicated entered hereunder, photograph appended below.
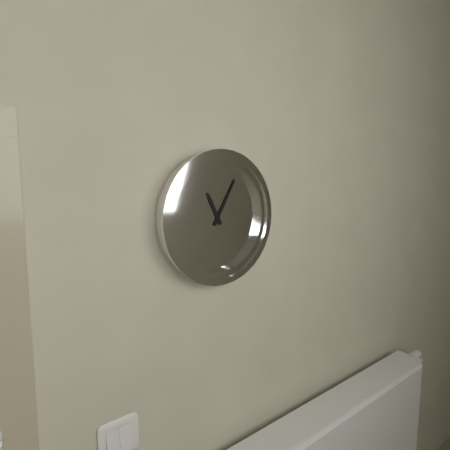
11:05
